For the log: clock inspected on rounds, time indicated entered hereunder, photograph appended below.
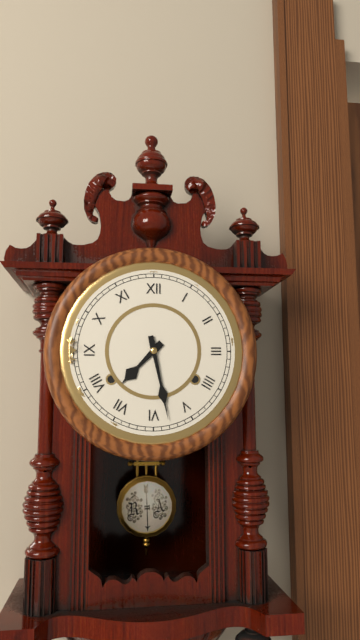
7:28
